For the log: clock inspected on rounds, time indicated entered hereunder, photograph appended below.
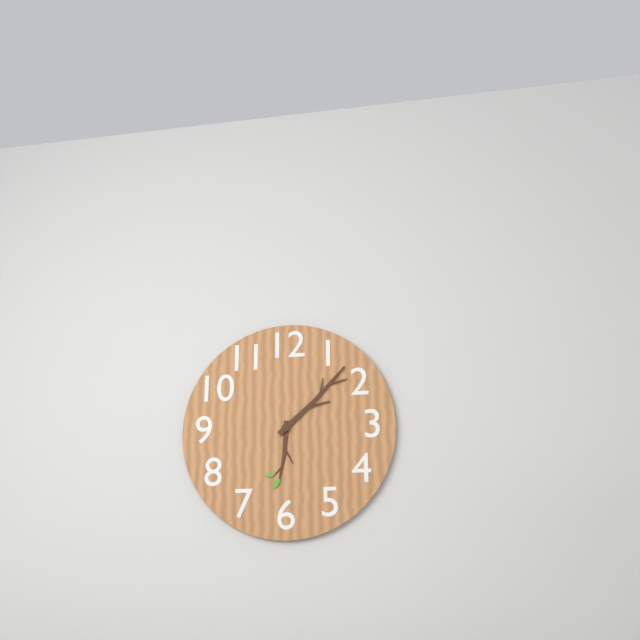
6:08
